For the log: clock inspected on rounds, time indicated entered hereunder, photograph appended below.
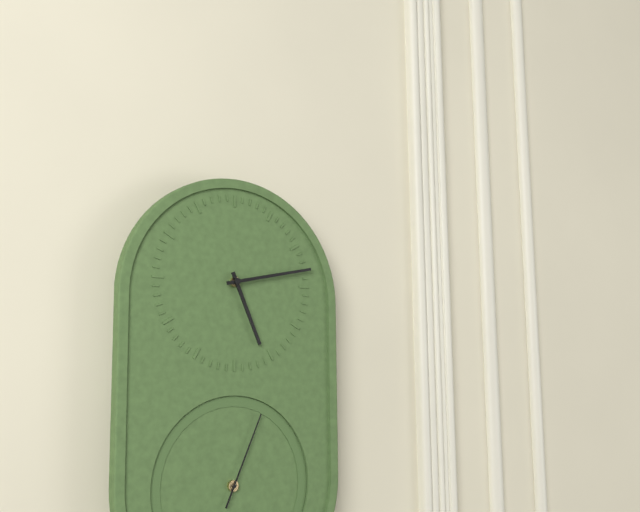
5:13:04
